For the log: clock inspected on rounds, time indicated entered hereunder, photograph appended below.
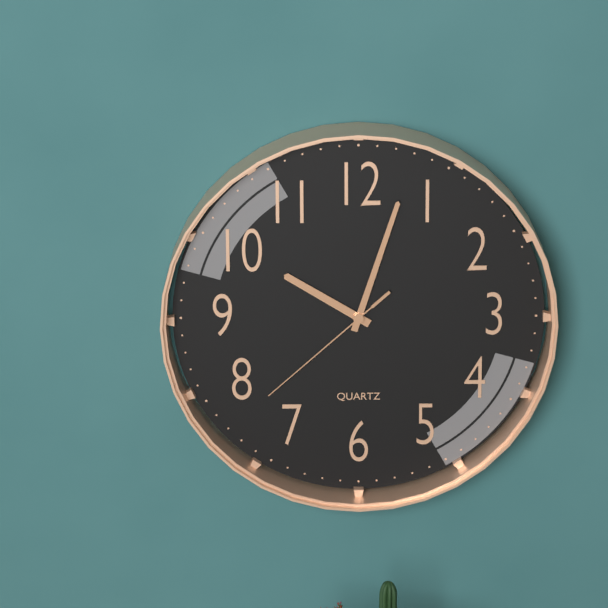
10:03:38
